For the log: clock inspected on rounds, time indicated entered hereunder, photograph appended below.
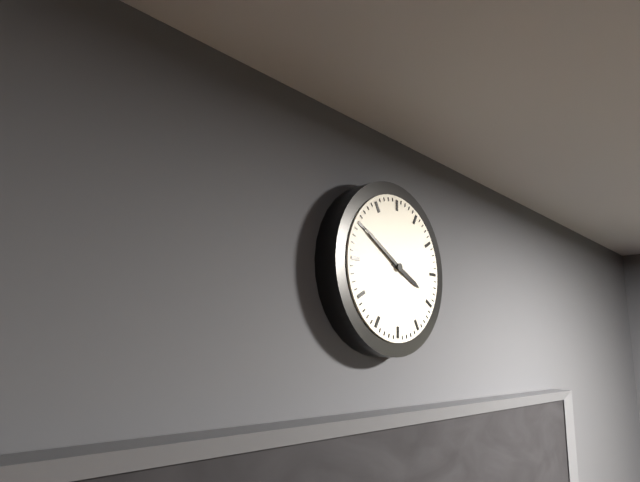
3:50
